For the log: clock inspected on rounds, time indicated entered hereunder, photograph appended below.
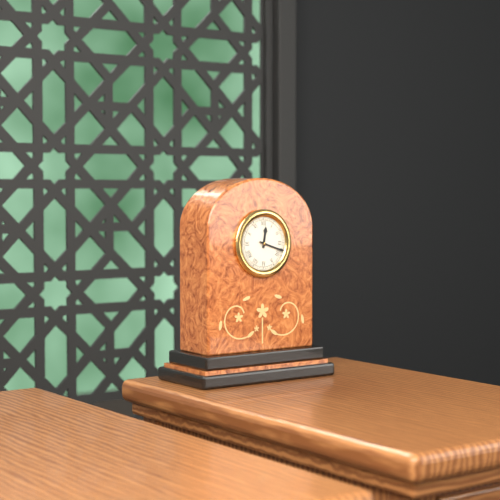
12:18
